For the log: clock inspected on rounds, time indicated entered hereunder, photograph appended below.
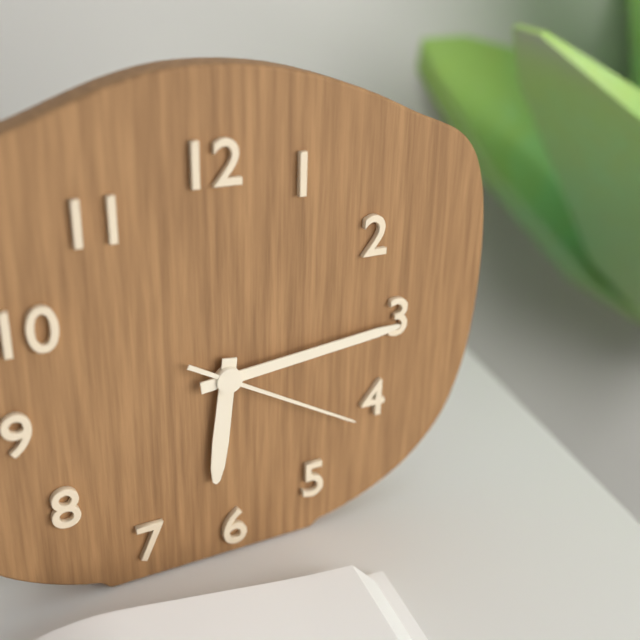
6:14:20
